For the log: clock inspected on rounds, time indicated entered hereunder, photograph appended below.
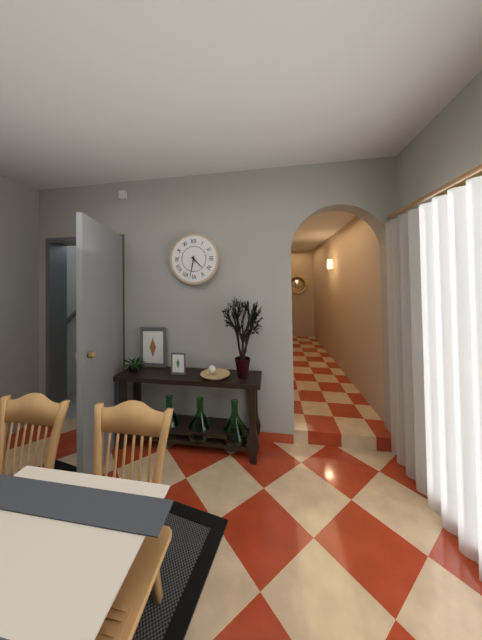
4:32
